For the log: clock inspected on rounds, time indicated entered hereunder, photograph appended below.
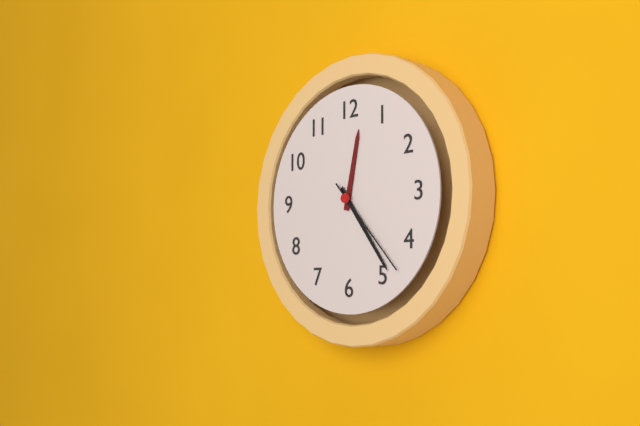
12:24:23
